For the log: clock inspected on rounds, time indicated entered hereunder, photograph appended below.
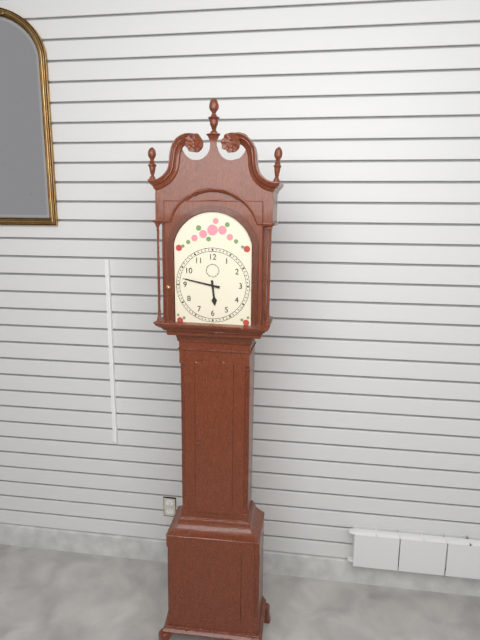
5:47
